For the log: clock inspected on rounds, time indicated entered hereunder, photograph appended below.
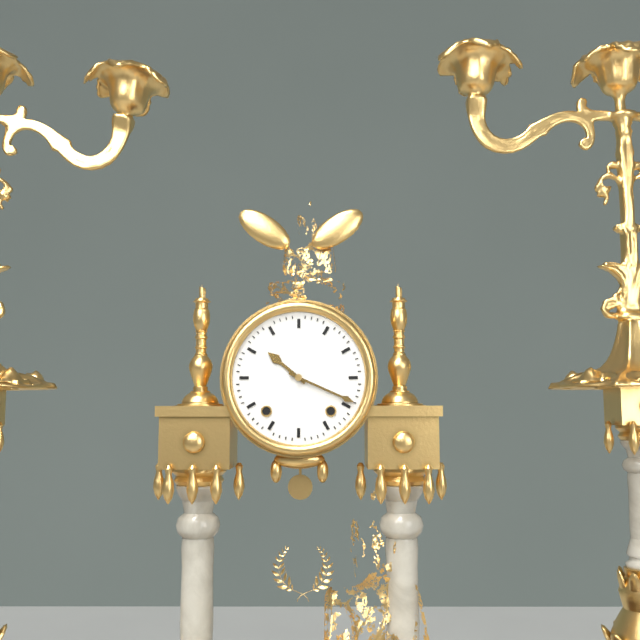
10:19
